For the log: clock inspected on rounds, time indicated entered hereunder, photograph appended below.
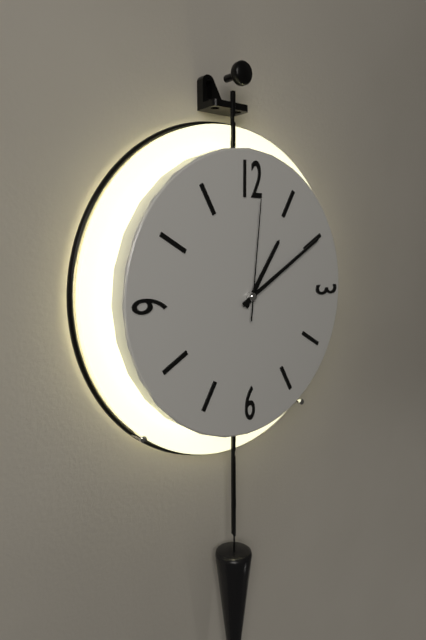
1:10:01
